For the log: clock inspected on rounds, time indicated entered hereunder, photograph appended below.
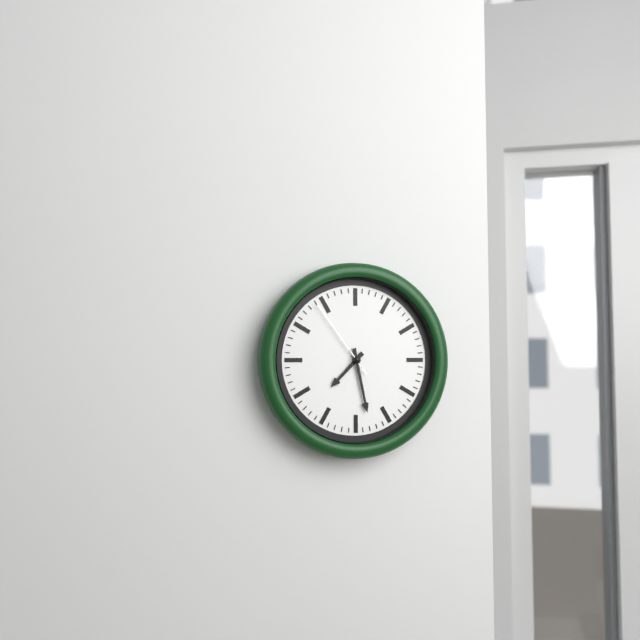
7:28:54
